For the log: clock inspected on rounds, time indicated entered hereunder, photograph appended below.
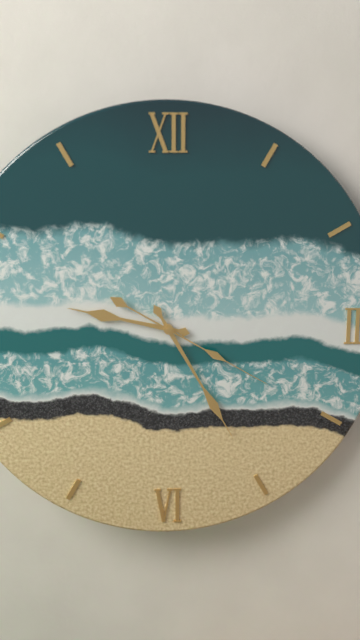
9:25:20
